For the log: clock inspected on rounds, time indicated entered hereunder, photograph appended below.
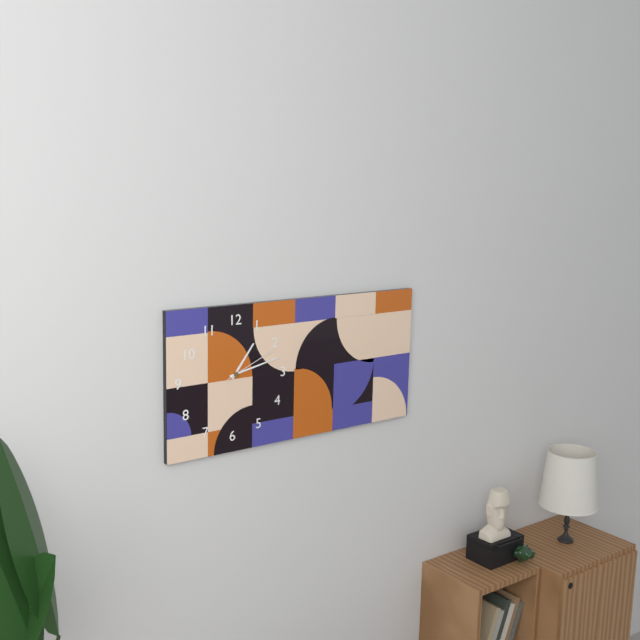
1:13:11
